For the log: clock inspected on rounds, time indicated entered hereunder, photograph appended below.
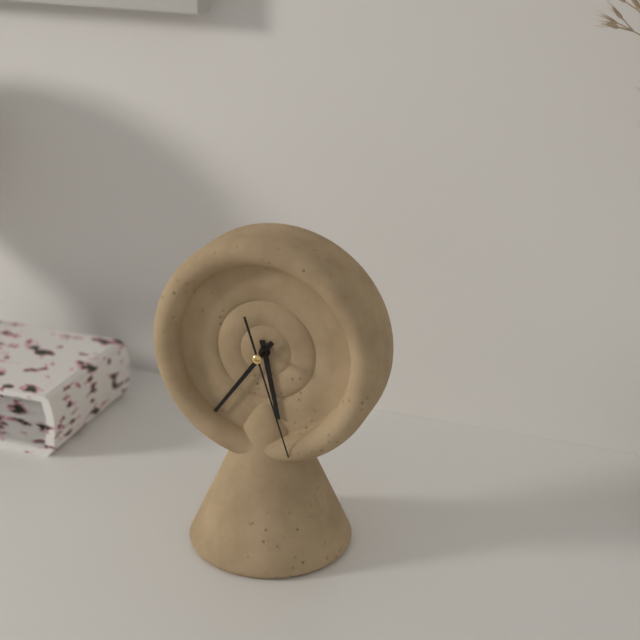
5:36:27
